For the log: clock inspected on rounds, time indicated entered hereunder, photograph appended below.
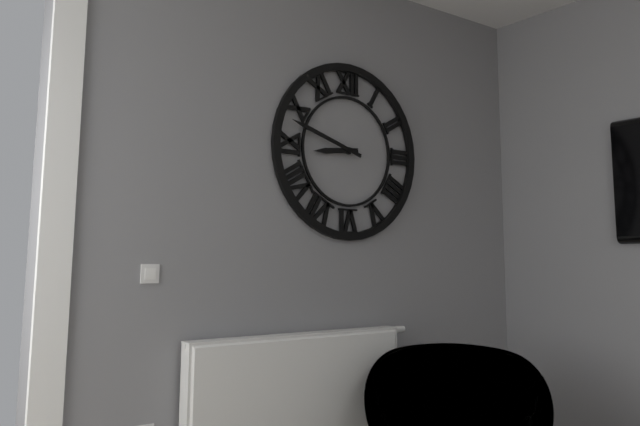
8:48
